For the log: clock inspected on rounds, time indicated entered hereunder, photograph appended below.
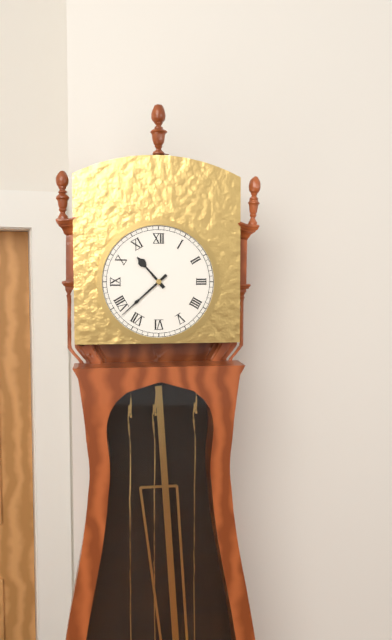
10:38
